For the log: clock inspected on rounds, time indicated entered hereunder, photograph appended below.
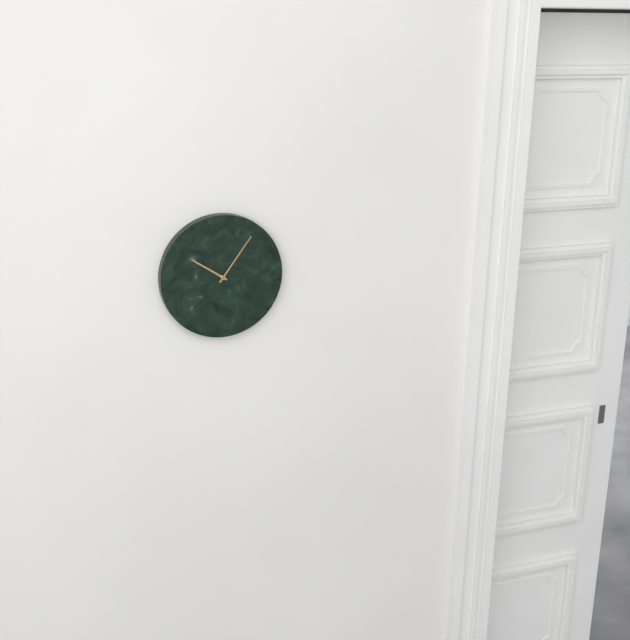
10:06
